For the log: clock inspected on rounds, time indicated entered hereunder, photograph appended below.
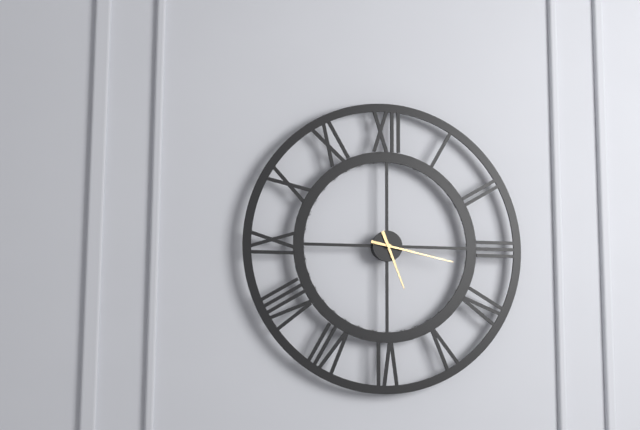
5:17
